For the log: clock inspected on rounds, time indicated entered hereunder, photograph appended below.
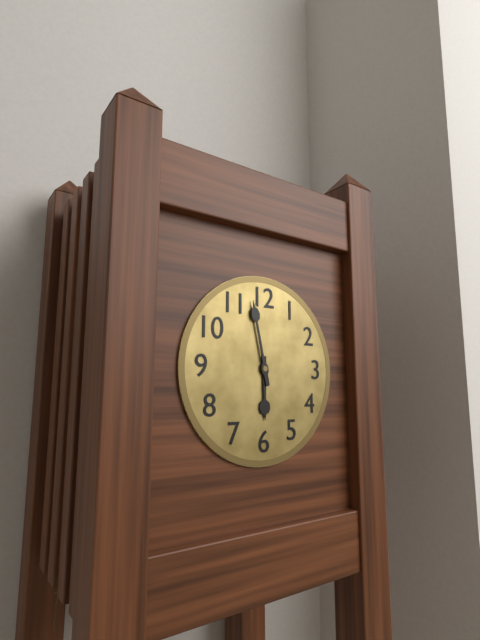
5:58
